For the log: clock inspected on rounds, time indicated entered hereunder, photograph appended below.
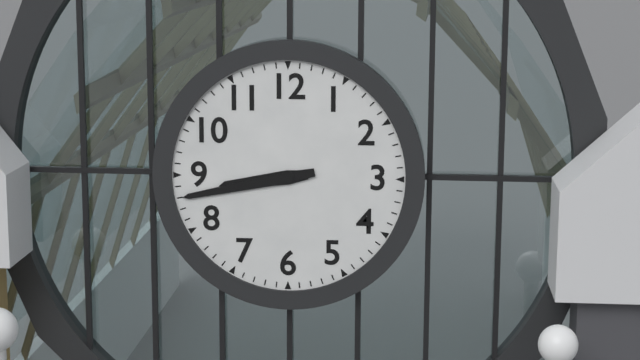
8:43
